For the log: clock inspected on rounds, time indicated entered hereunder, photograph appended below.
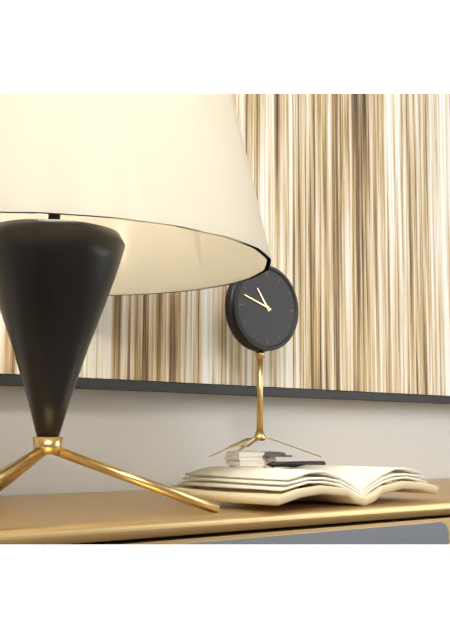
10:48
